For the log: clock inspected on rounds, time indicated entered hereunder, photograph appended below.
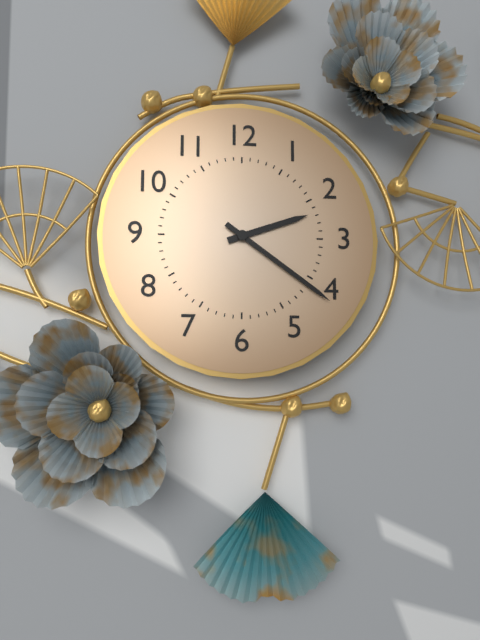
2:21
